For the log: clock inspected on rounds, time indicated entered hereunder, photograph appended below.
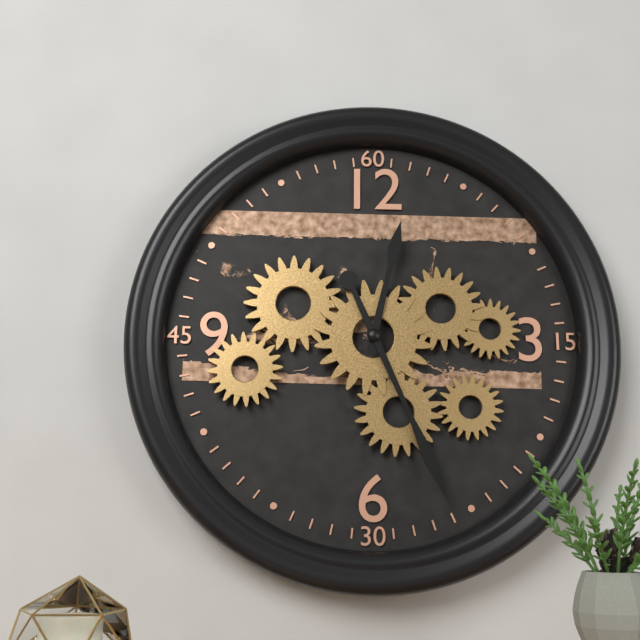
12:26
